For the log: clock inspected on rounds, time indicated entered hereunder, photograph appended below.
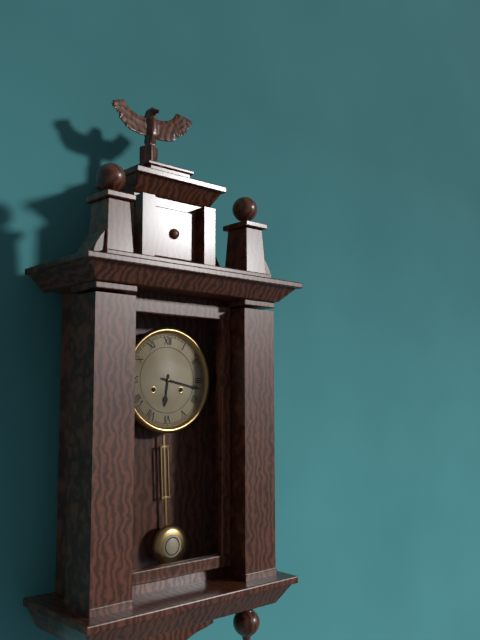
6:17
